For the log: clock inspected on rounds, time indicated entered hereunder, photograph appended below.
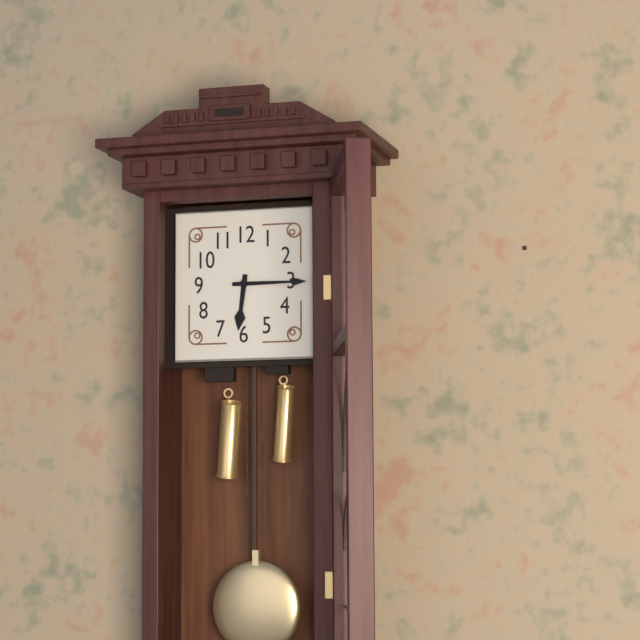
6:15
